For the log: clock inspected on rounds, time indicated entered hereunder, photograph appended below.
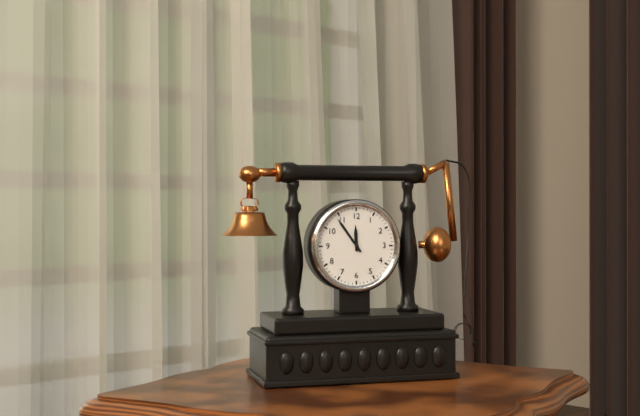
11:54
